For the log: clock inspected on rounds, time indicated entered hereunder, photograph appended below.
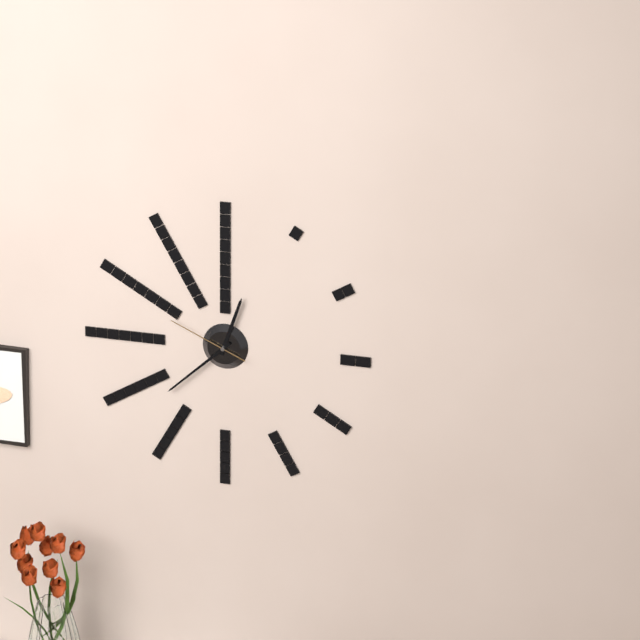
12:38:49
